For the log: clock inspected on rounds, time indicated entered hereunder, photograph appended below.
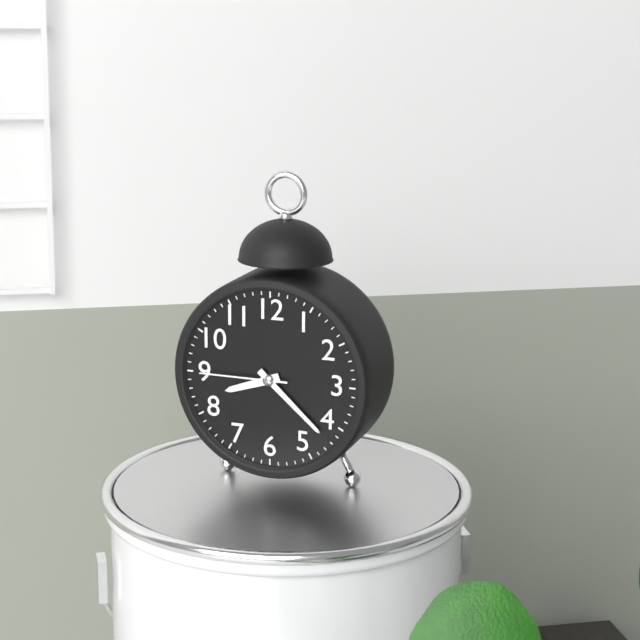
8:22:45
